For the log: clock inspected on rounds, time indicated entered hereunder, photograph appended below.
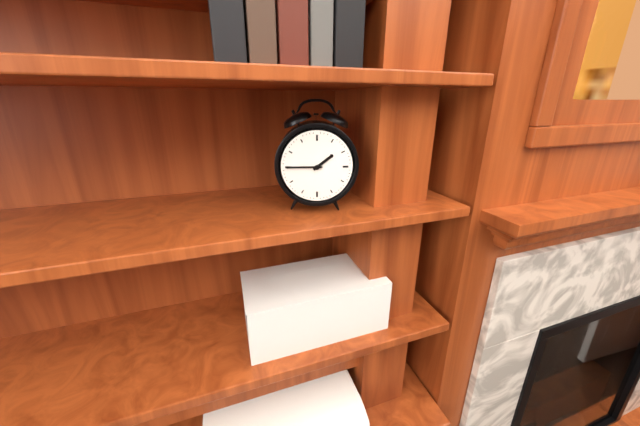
1:45
